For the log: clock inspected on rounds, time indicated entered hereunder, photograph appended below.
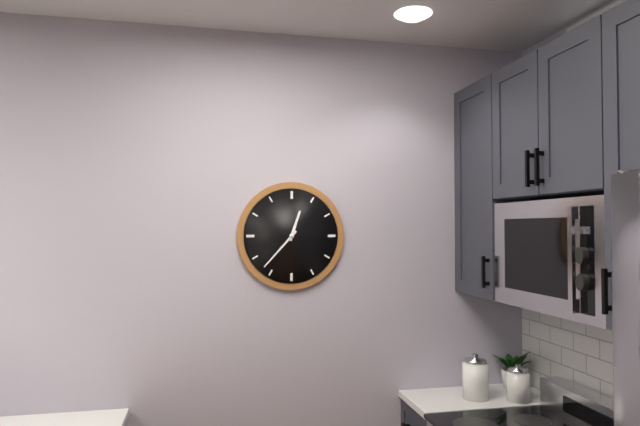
12:37
